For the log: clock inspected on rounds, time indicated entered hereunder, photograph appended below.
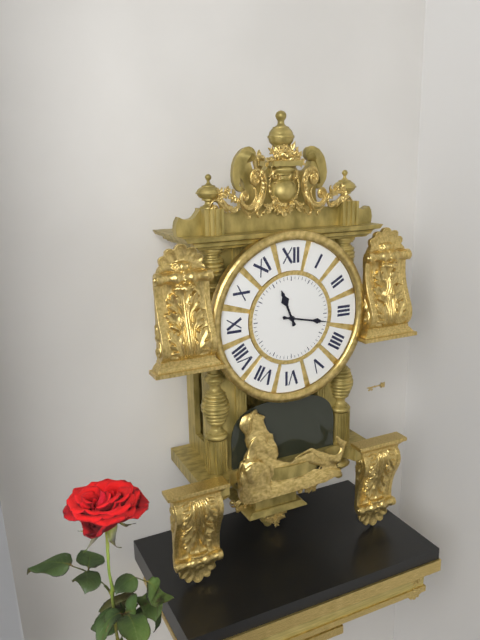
11:17
